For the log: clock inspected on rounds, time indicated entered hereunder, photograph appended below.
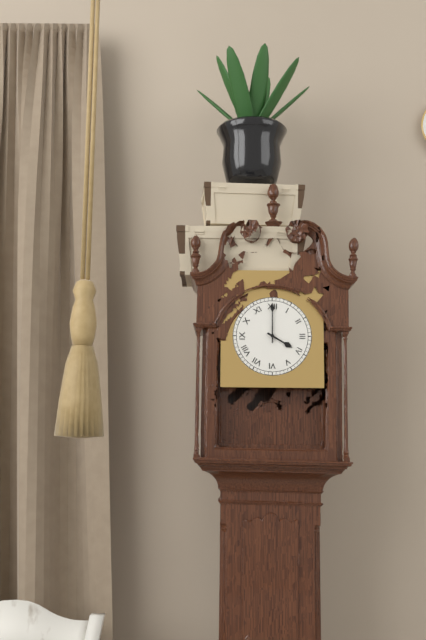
4:00
